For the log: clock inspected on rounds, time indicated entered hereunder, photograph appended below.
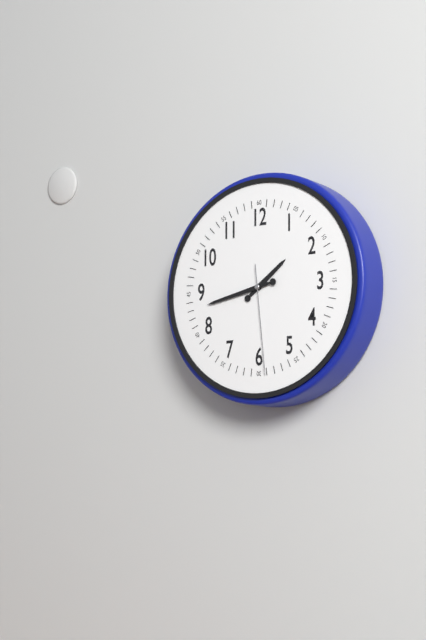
1:43:29
